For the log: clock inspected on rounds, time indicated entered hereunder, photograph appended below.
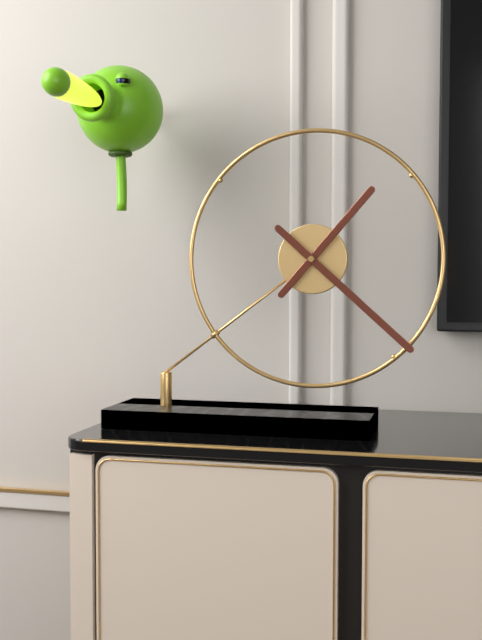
1:22
